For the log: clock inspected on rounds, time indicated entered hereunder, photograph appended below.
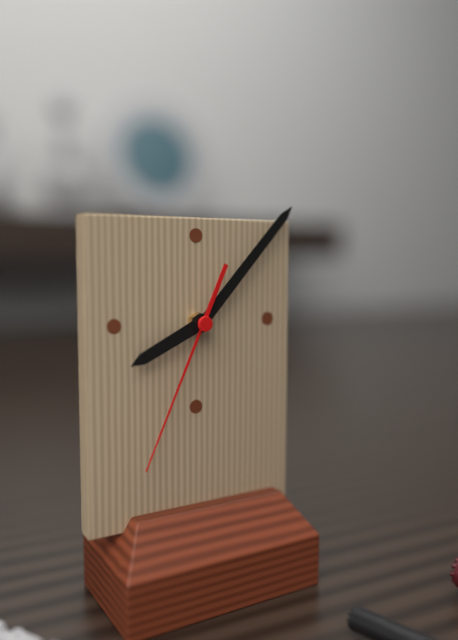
8:07:34
